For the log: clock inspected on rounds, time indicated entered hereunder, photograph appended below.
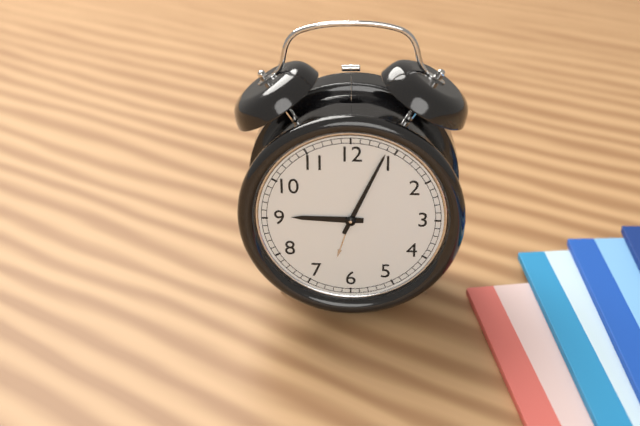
9:04
